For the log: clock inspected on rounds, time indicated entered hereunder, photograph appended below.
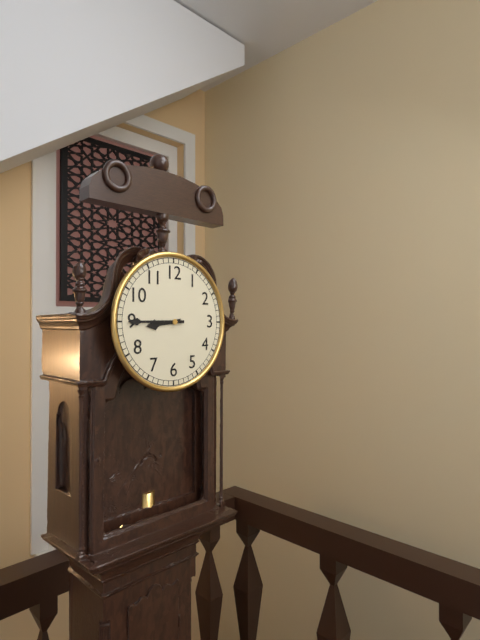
8:45
